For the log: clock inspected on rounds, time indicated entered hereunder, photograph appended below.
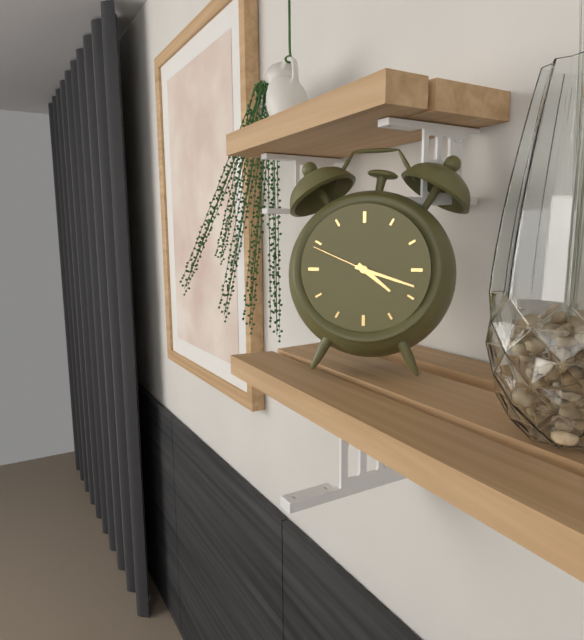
4:18:49
